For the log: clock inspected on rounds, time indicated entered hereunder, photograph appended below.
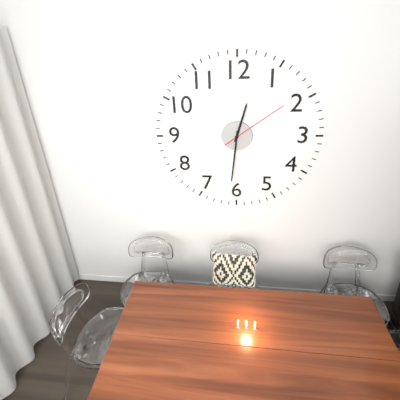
12:31:09
